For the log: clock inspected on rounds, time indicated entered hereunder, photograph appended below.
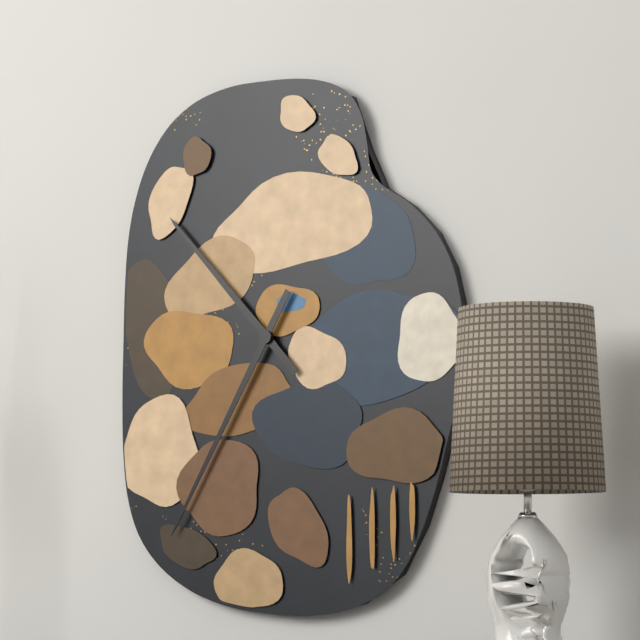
10:35
